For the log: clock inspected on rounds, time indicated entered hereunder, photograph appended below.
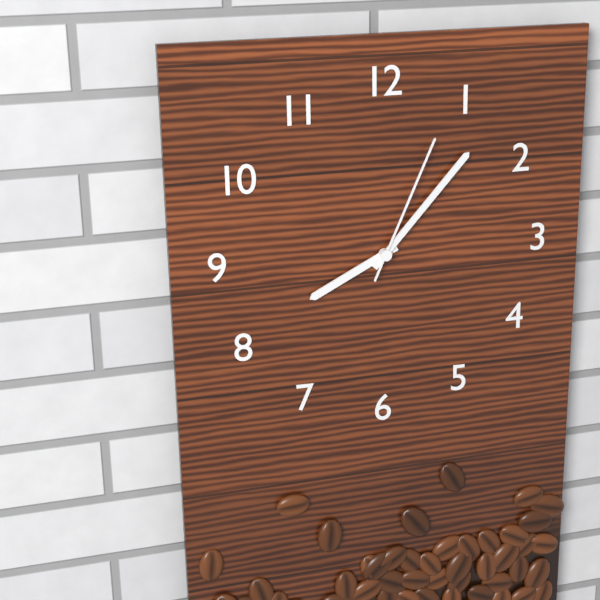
8:07:04
